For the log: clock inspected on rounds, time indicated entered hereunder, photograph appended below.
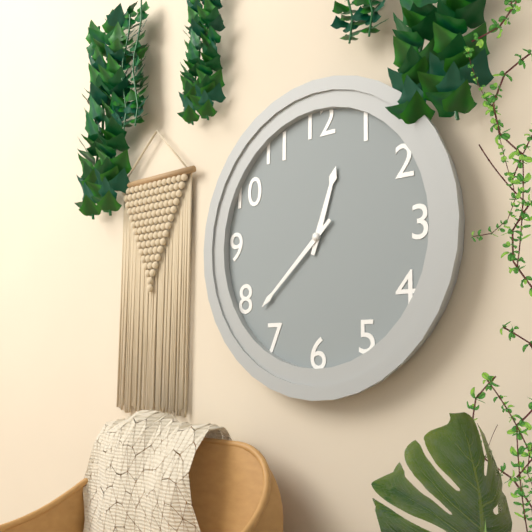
12:38
